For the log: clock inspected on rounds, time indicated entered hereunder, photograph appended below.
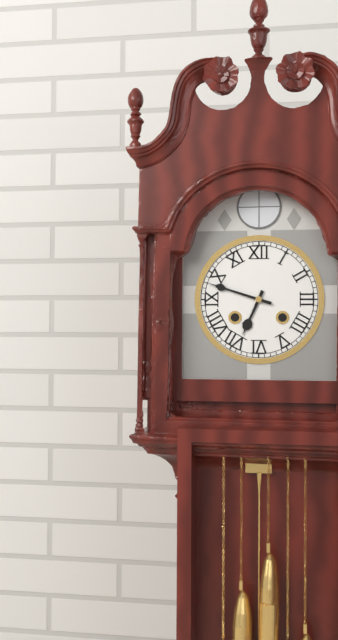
6:48
